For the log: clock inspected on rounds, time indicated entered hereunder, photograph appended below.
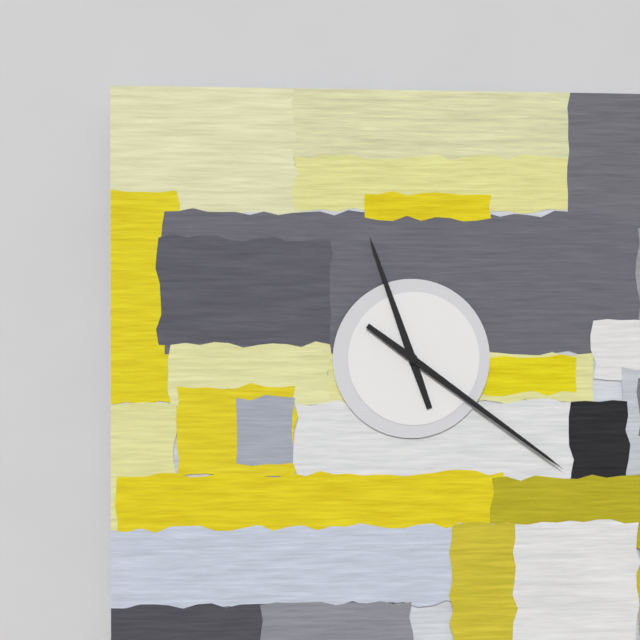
11:21
